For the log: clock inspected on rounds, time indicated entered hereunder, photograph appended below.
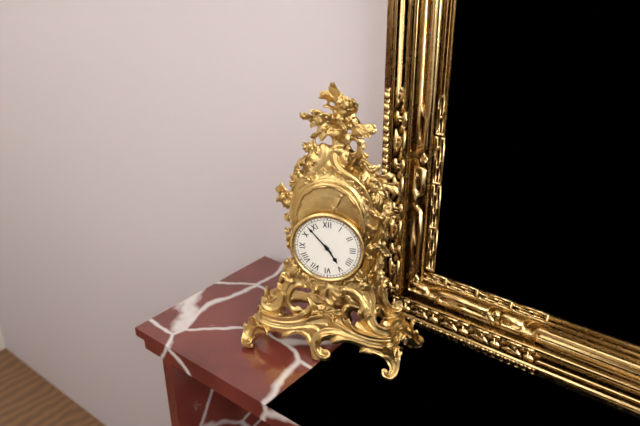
4:53
